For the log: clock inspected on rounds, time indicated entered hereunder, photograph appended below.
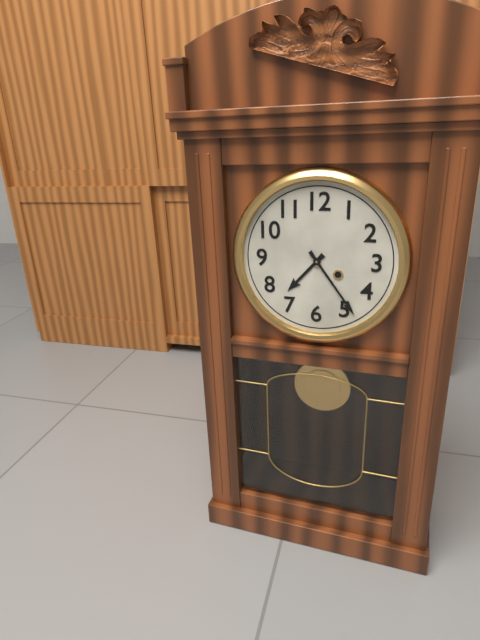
7:24
